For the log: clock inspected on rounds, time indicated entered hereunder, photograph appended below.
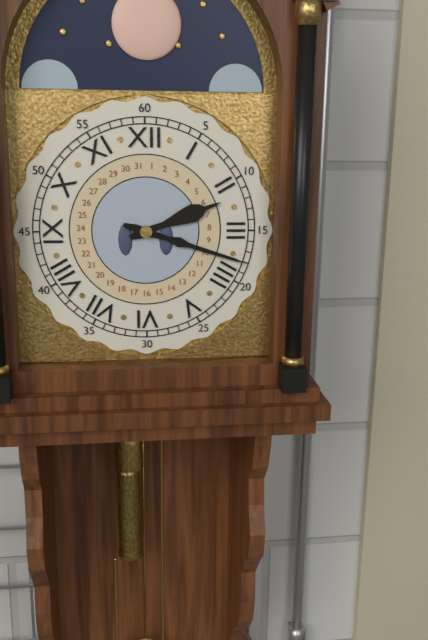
2:18
